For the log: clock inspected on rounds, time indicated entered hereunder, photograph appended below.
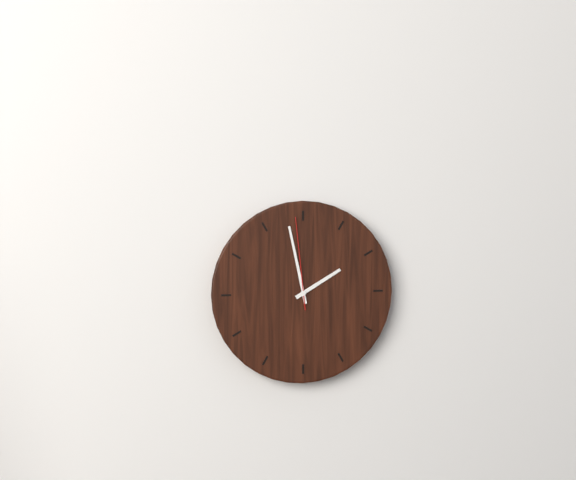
1:58:59
